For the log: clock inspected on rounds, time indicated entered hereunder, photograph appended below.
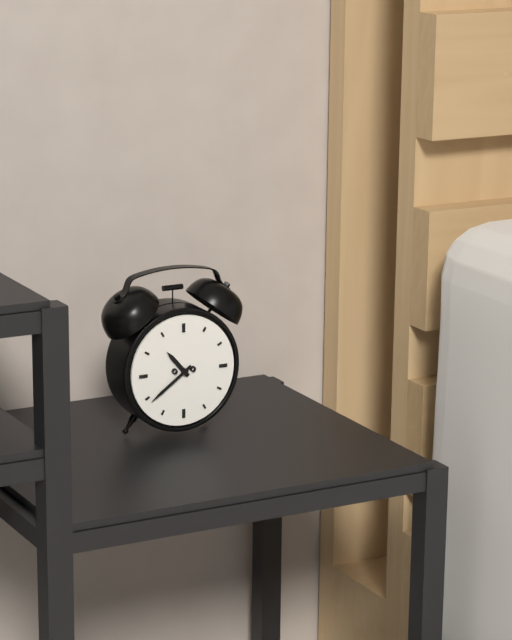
10:39
